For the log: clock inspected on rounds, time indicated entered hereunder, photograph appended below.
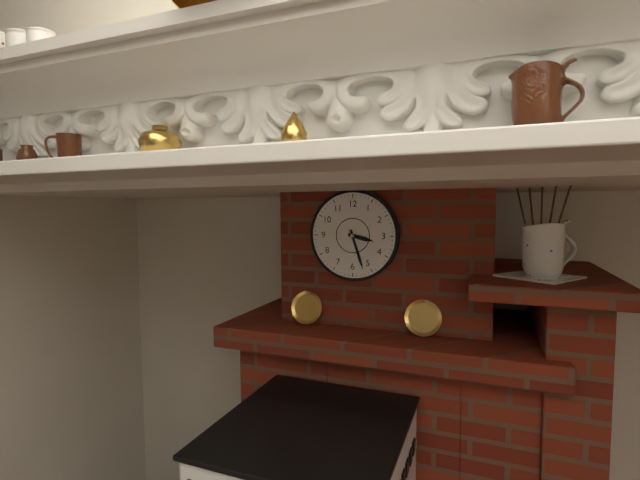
3:27
